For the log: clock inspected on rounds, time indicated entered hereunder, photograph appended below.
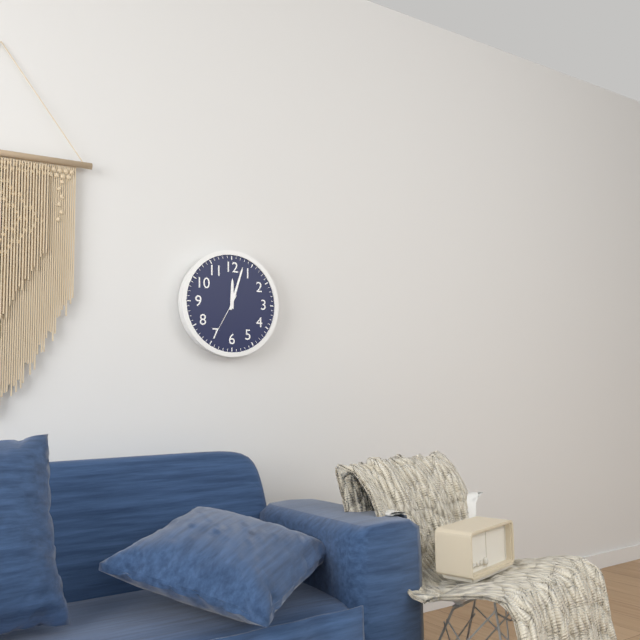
12:03:35
